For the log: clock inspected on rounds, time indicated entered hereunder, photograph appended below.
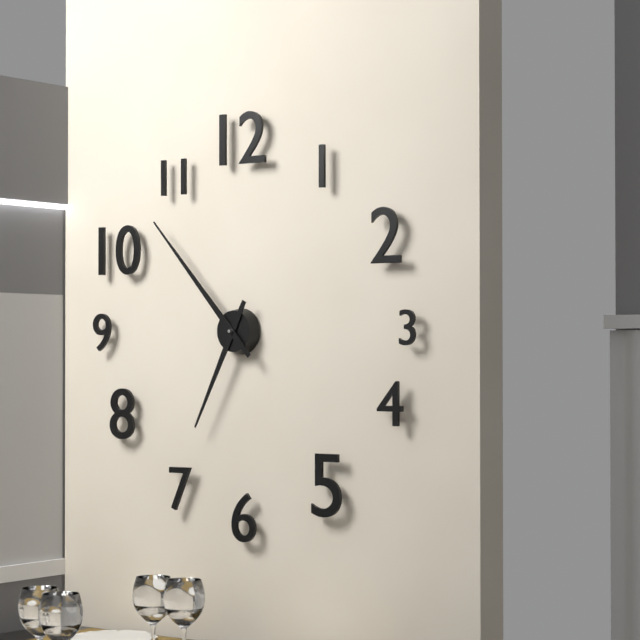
6:53
